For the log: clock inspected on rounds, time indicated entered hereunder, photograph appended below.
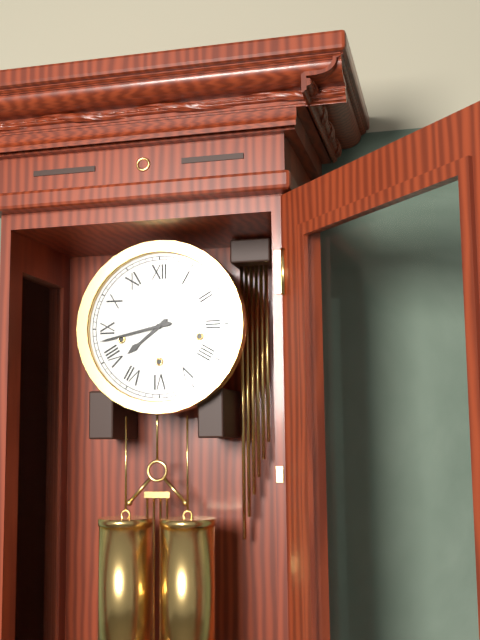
7:43
